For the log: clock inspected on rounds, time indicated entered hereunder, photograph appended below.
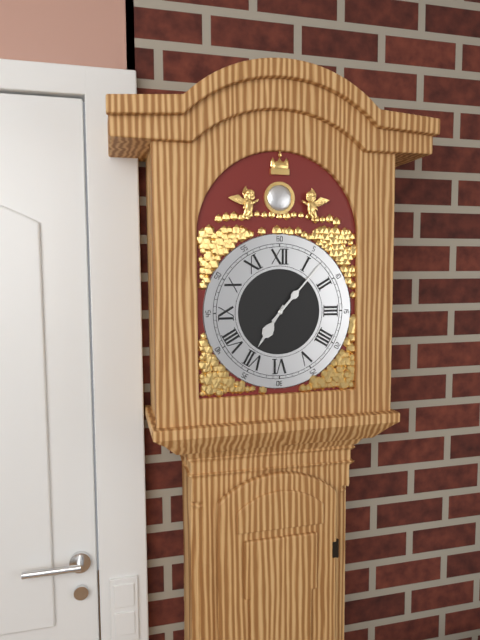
7:07
